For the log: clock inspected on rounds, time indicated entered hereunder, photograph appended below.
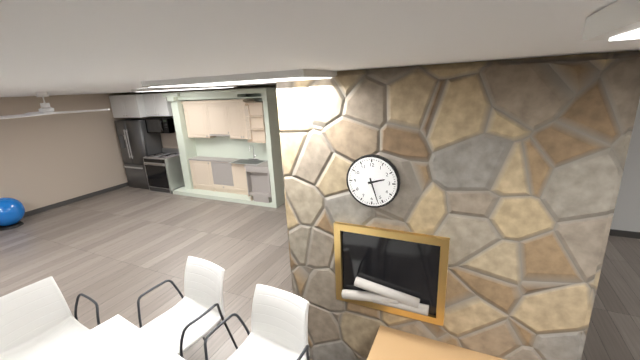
2:27
